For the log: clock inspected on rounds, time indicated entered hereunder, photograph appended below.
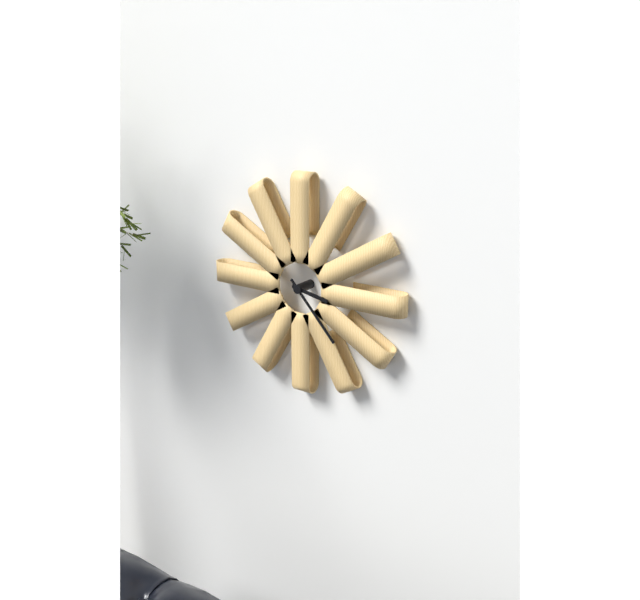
3:23
